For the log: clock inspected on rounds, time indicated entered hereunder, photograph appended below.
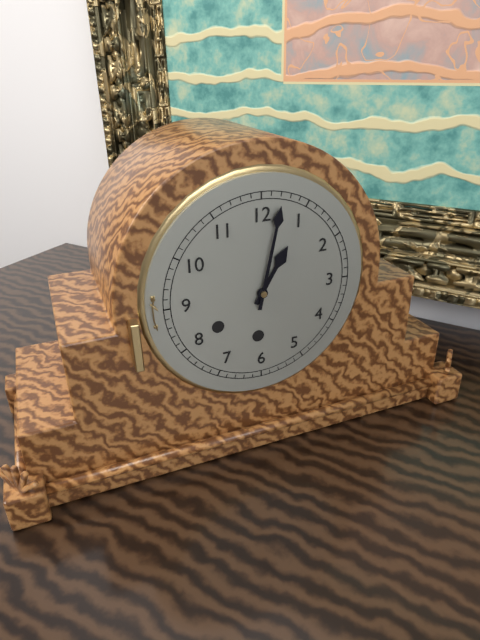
1:02
